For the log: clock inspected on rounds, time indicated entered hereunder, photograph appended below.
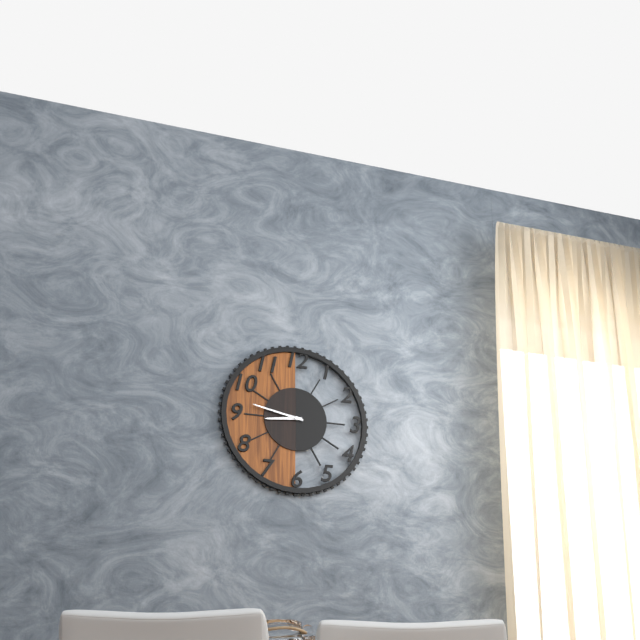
8:47
